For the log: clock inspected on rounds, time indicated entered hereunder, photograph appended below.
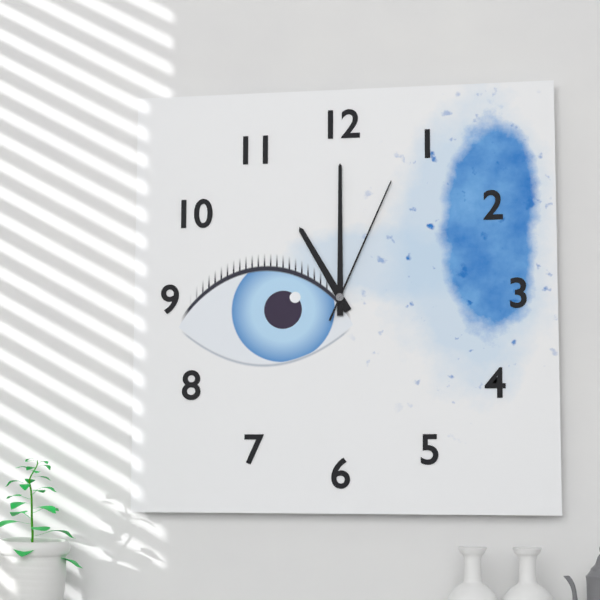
11:00:04
